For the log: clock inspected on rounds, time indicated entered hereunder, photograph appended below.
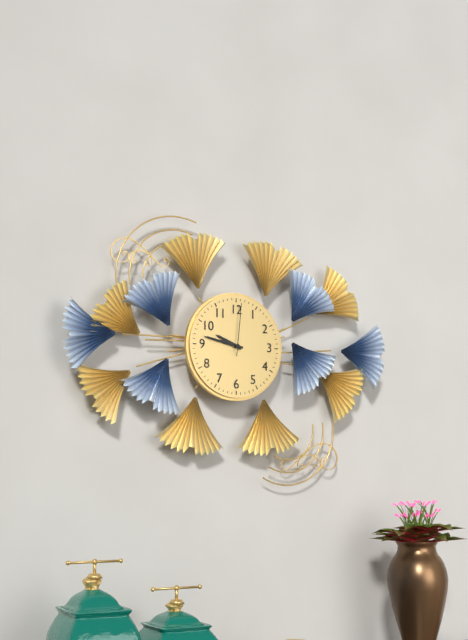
9:47:01
